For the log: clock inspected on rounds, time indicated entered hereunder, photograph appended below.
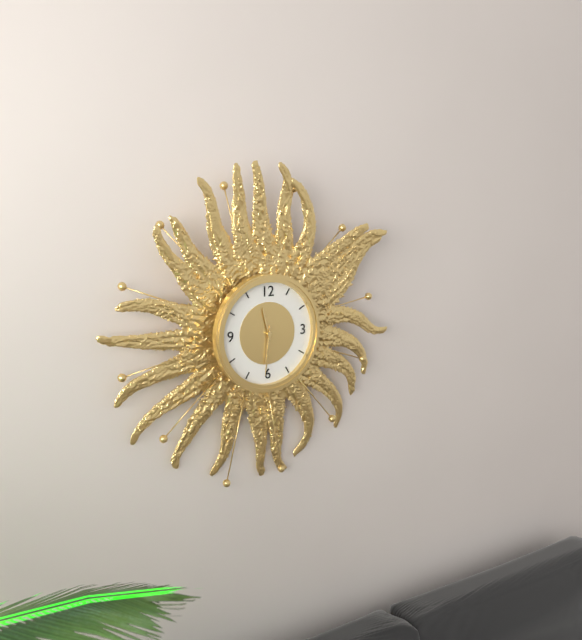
11:31
